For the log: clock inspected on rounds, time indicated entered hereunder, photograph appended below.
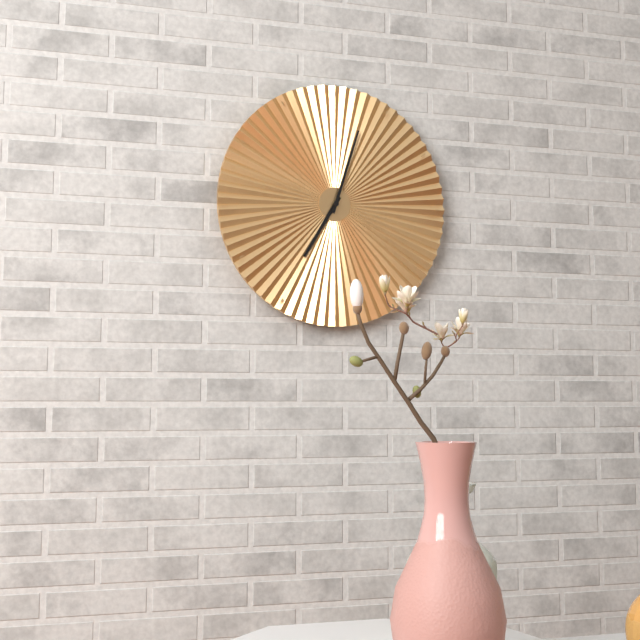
7:03
